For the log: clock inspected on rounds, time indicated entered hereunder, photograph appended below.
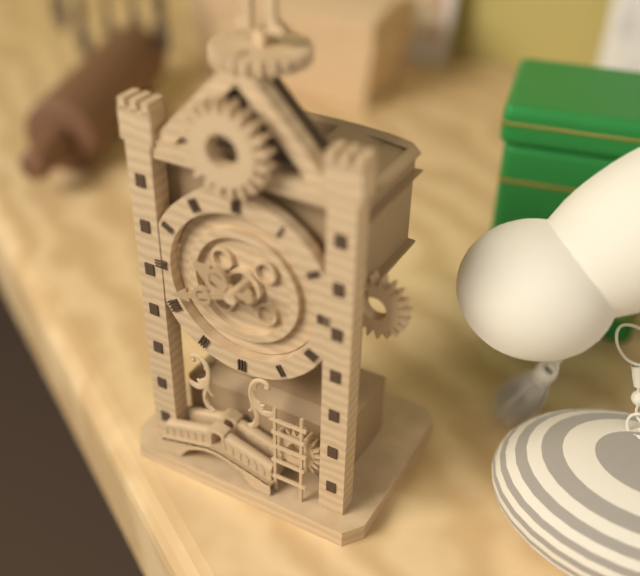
9:42
